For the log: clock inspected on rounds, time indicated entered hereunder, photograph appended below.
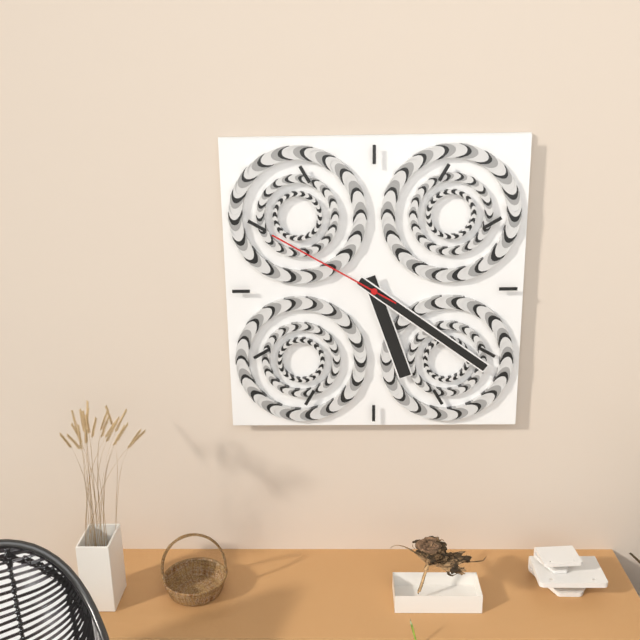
5:21:50
